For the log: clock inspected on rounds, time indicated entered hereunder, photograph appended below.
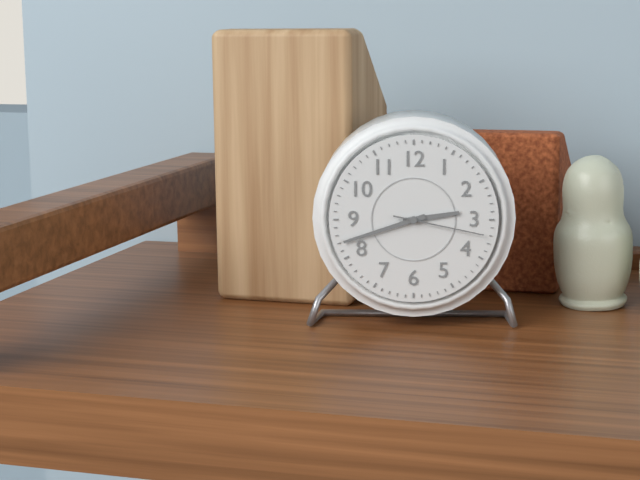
2:42:17
